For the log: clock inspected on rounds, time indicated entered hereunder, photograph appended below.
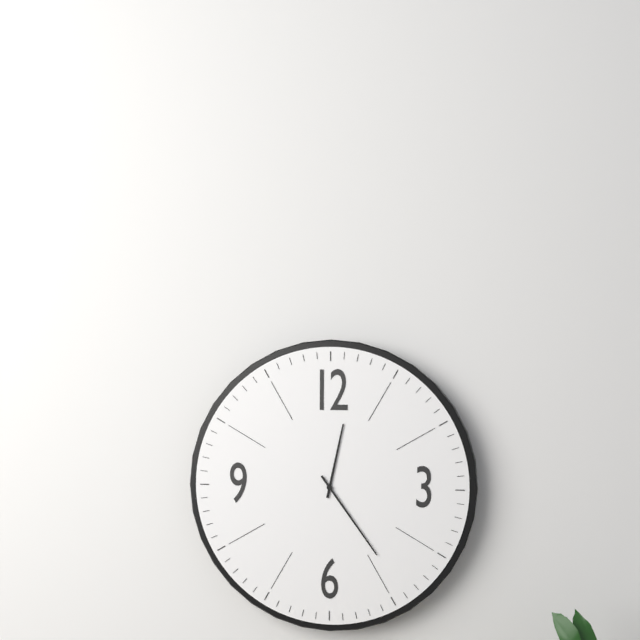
12:24
